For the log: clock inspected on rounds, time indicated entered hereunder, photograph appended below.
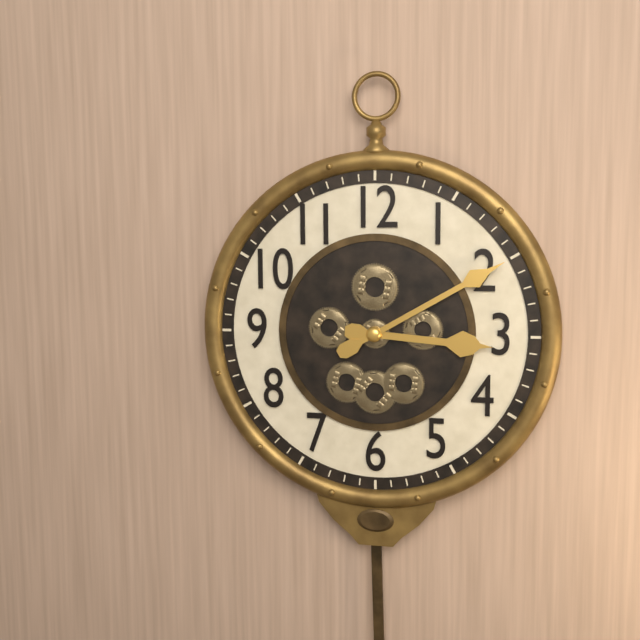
3:10
